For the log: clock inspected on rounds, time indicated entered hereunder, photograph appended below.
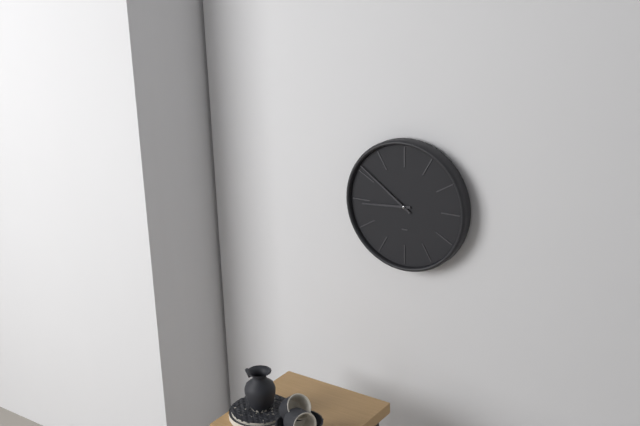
8:51
